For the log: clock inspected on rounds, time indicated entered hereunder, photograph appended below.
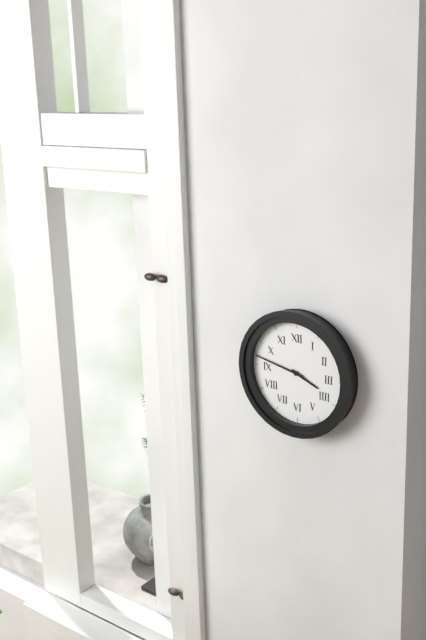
3:47
